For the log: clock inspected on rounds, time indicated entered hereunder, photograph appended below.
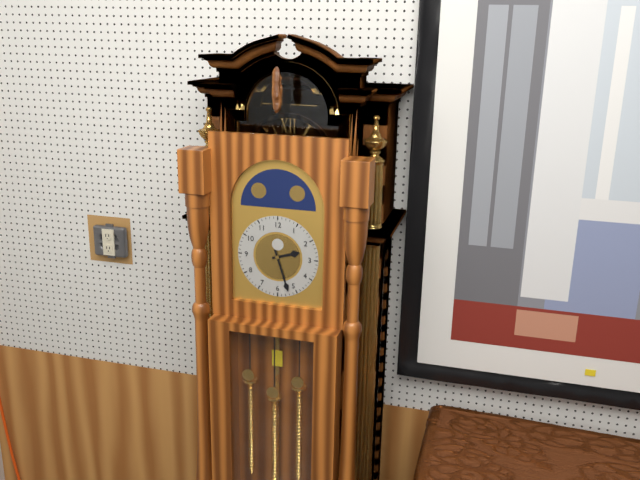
2:27
